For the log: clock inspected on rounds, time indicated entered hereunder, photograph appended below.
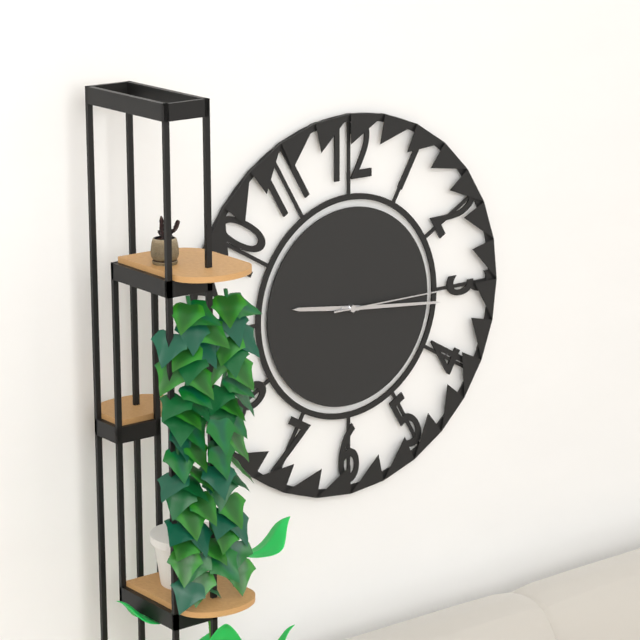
9:16:15
